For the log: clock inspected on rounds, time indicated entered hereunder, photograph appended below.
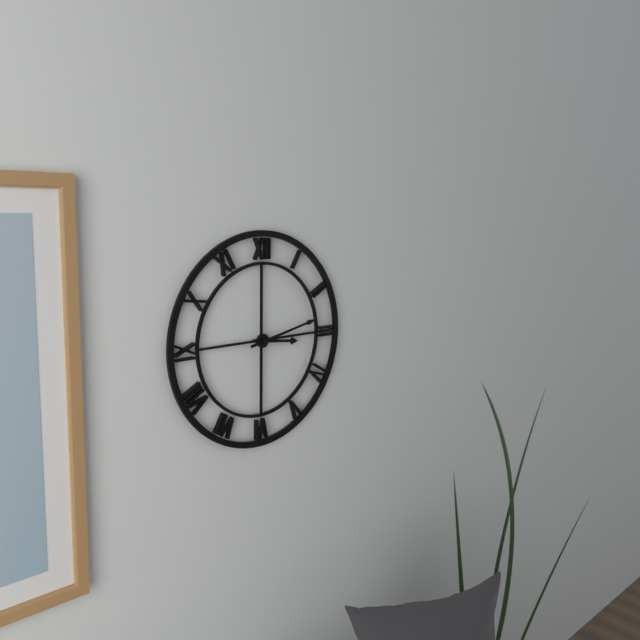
3:13
